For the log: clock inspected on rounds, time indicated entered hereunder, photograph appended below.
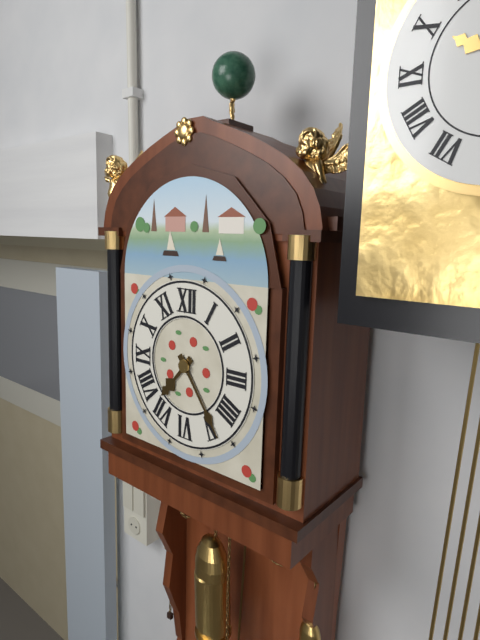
7:24
